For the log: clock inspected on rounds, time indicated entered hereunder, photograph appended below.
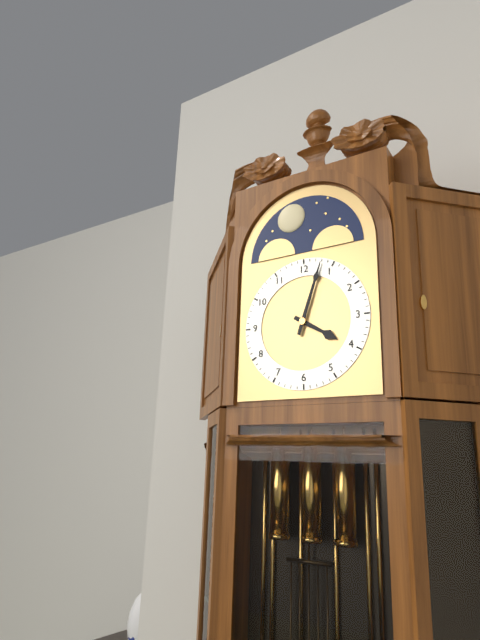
4:03
